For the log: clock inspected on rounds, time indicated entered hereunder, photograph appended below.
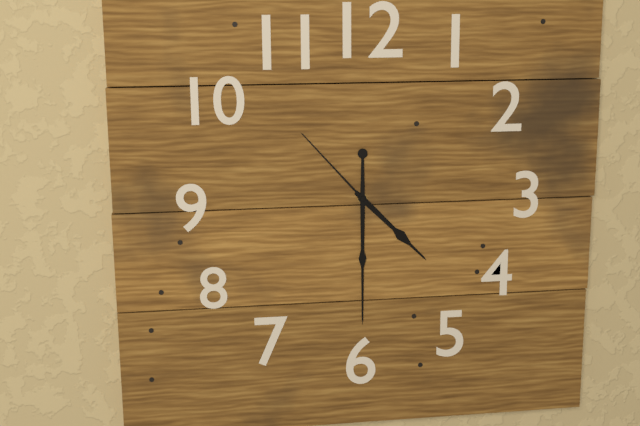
4:30:53
